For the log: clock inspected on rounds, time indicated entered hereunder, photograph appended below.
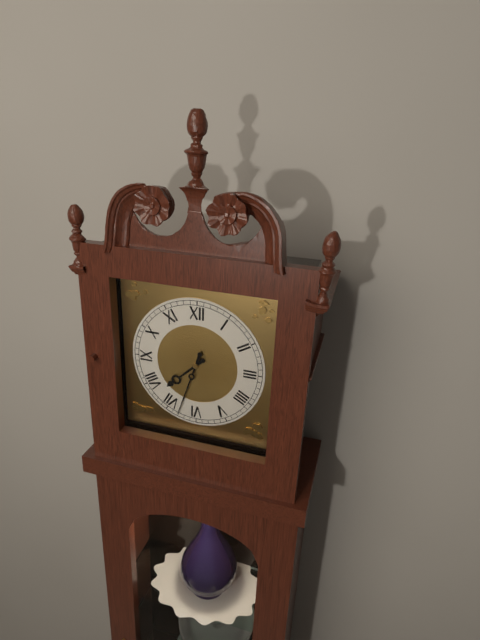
7:33
